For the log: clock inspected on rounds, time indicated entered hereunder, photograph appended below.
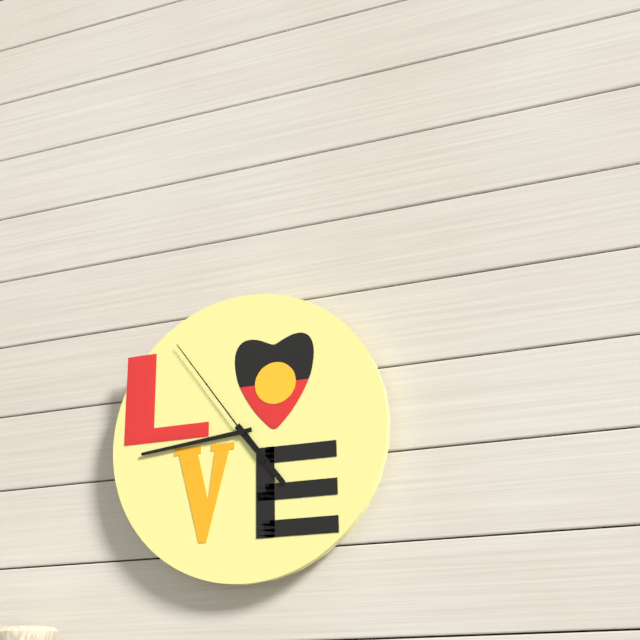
4:44:54
